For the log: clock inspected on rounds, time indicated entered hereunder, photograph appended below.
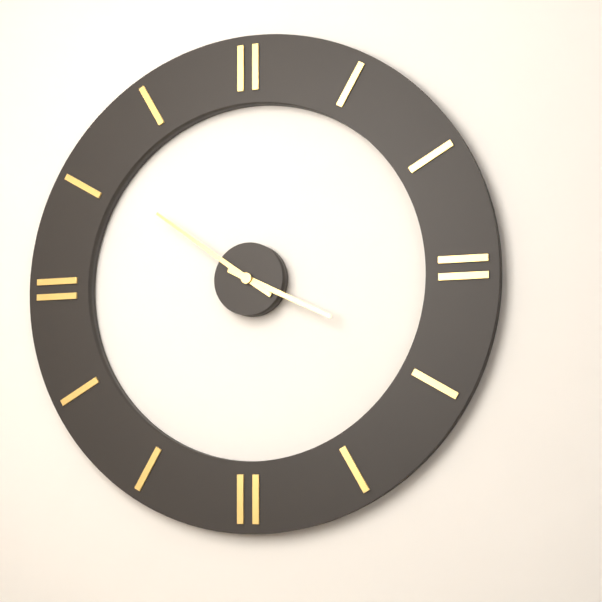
3:51
